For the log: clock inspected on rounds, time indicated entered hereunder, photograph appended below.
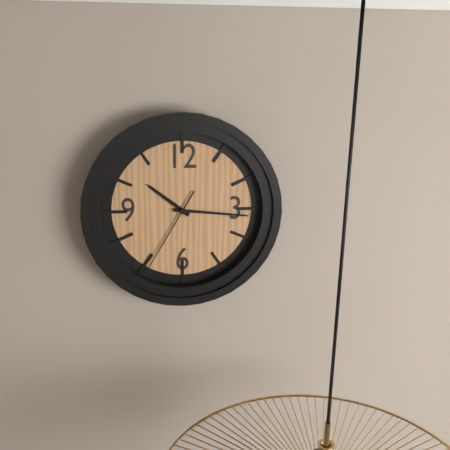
10:16:35
